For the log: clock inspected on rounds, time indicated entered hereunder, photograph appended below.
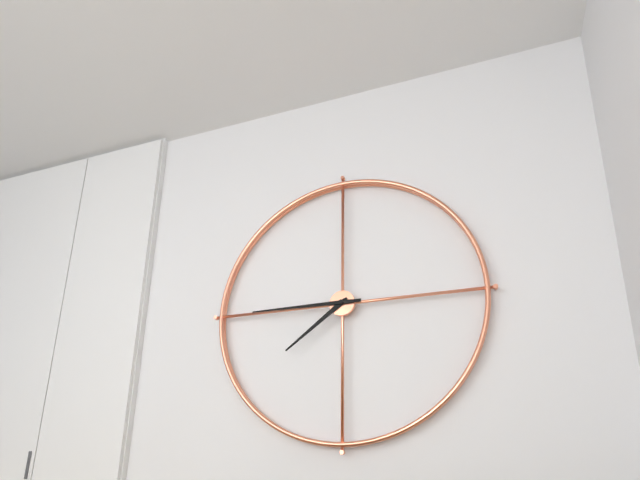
7:45
